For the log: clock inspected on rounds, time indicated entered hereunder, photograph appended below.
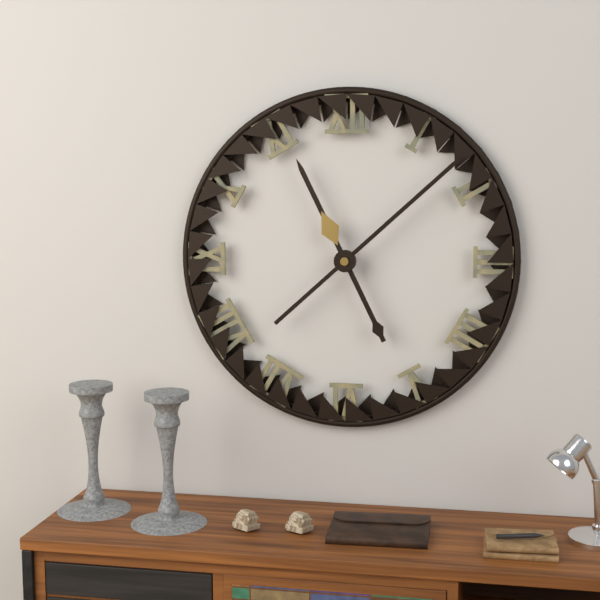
11:08
